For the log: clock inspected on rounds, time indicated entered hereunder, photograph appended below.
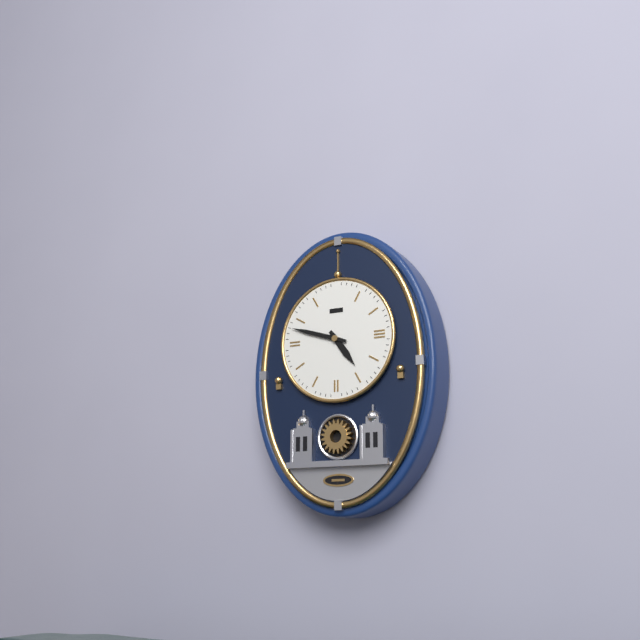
4:48
